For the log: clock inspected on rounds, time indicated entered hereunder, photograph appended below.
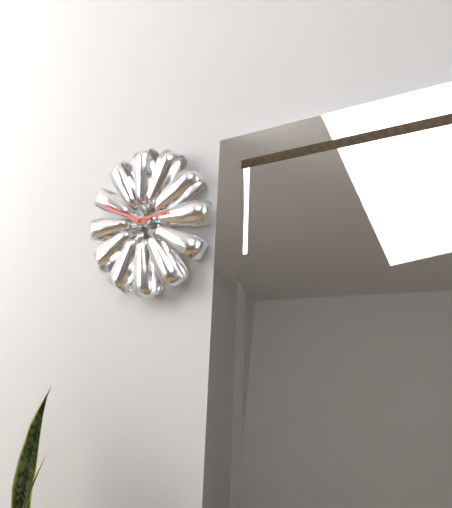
2:49
